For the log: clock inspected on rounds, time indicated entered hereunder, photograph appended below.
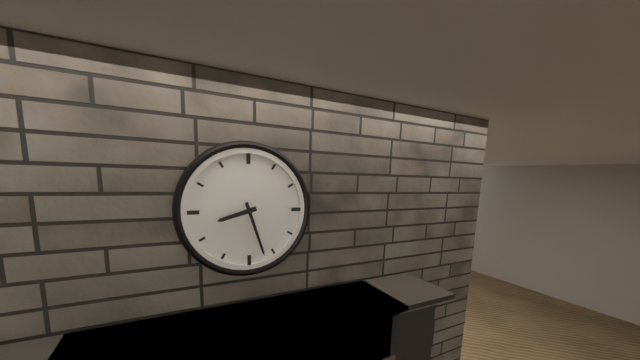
8:27
